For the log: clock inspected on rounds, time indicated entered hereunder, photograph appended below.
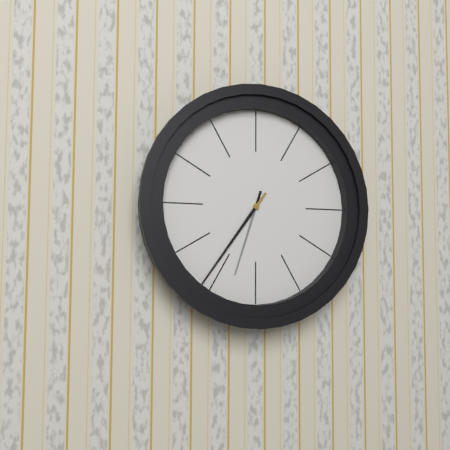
6:36
